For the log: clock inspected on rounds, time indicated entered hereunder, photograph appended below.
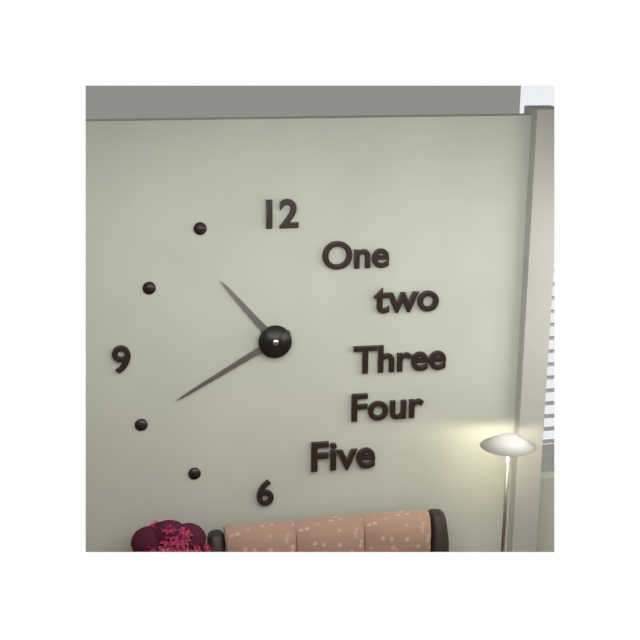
10:40
